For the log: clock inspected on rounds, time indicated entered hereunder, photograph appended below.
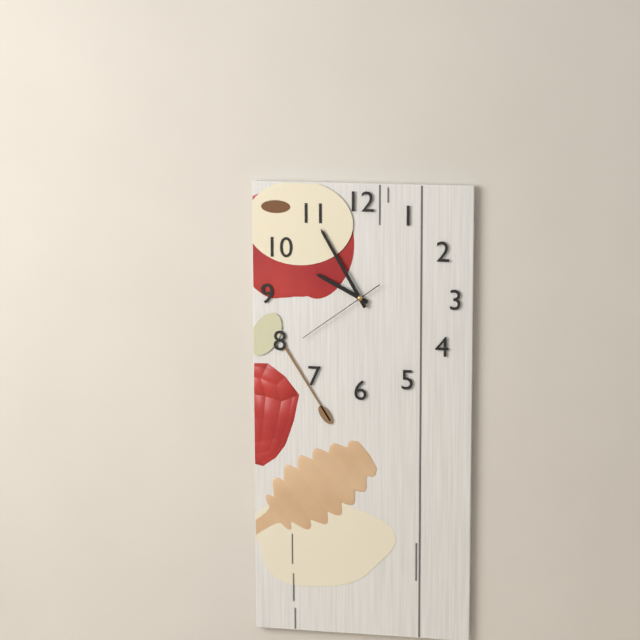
9:55:39
